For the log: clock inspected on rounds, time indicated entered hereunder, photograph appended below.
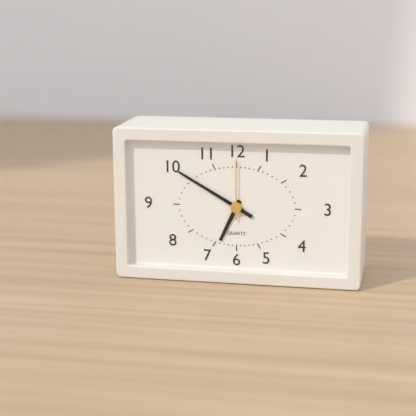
6:50:00
